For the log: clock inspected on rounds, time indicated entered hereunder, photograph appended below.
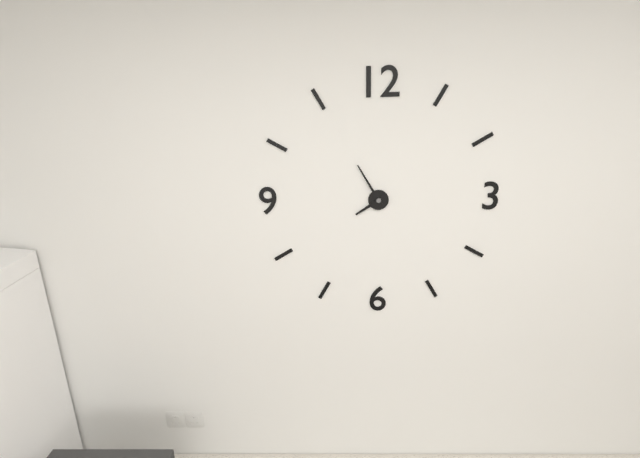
7:55
